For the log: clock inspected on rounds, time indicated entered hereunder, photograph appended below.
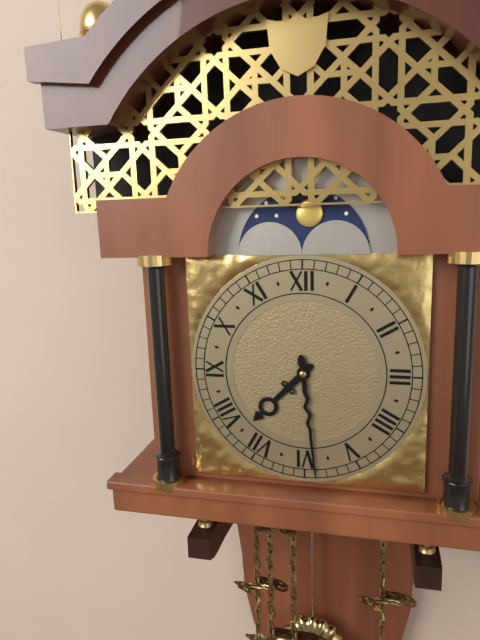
7:29
